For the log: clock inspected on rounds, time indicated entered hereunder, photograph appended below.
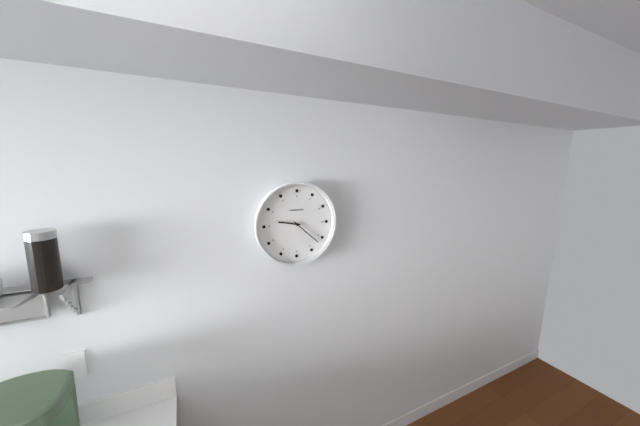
9:22
